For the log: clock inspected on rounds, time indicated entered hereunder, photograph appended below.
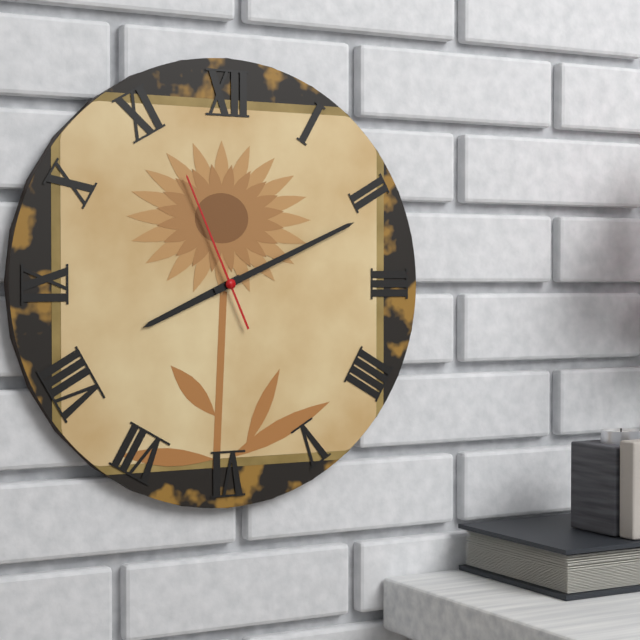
8:11:56
